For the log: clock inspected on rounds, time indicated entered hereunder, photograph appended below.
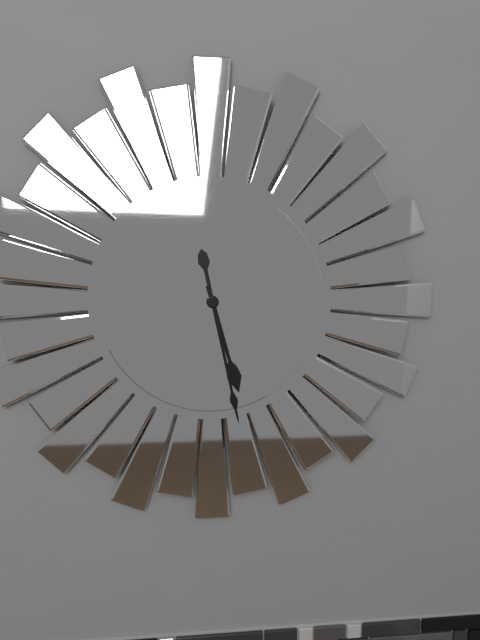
5:28
